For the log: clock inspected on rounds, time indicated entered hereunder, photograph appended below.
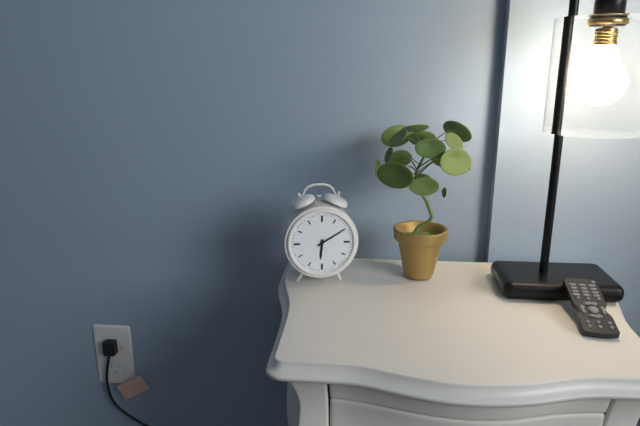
6:10
